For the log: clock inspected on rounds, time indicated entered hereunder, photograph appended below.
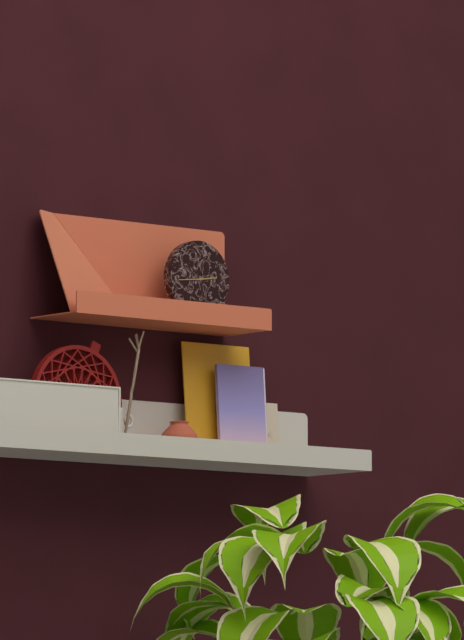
2:44
